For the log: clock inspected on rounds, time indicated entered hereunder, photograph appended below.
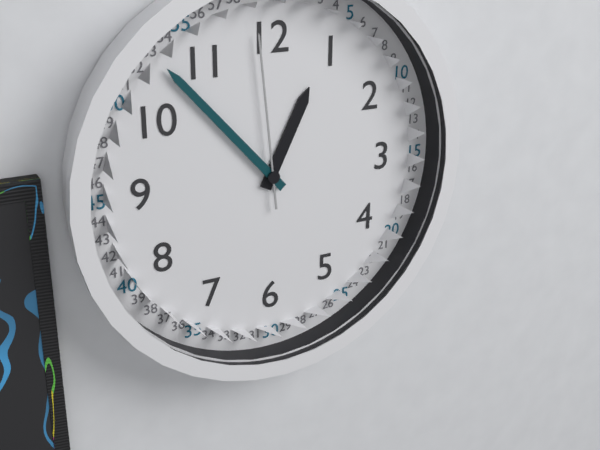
12:53:59
